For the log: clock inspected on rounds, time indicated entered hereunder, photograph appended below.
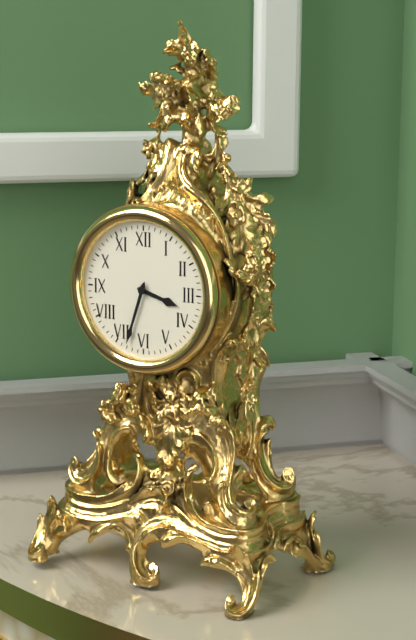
3:33
